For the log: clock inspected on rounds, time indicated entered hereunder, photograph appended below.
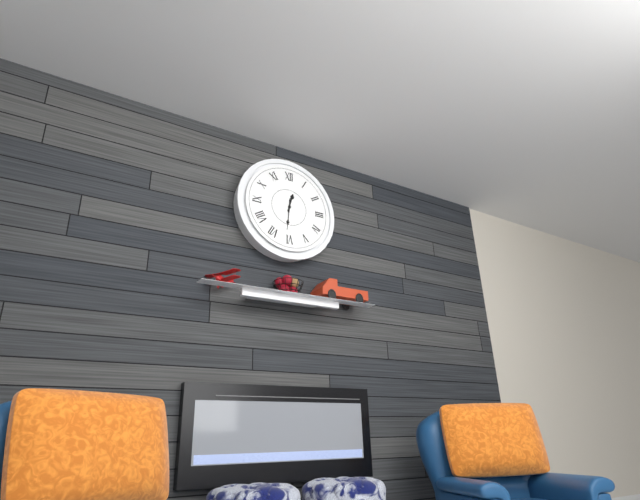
12:31
